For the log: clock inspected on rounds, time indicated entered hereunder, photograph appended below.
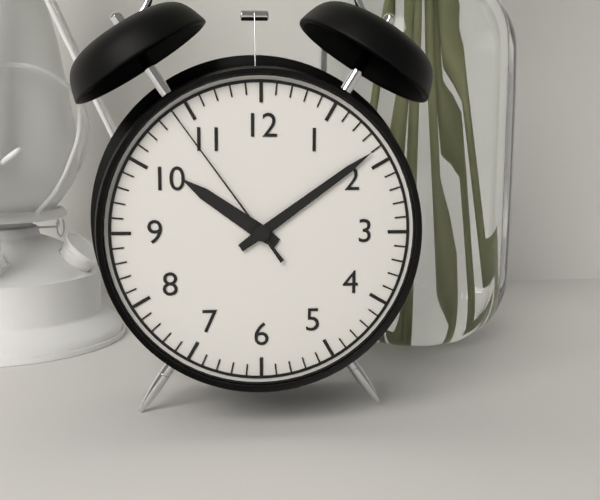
10:09:54
